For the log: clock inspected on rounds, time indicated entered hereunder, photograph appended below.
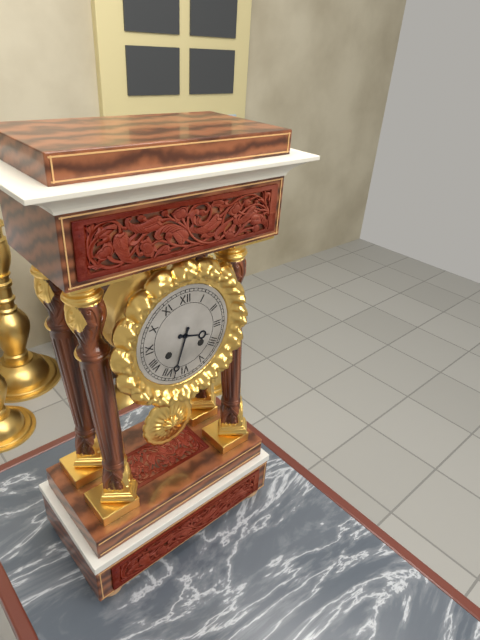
3:33
